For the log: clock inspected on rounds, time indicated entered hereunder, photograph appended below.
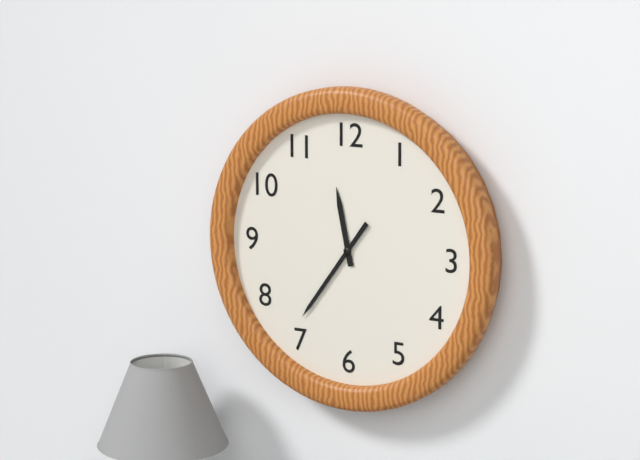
11:36
